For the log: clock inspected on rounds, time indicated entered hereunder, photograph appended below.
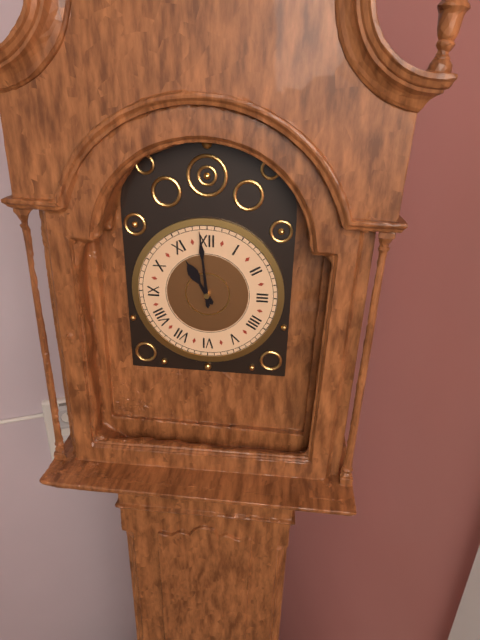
10:59
